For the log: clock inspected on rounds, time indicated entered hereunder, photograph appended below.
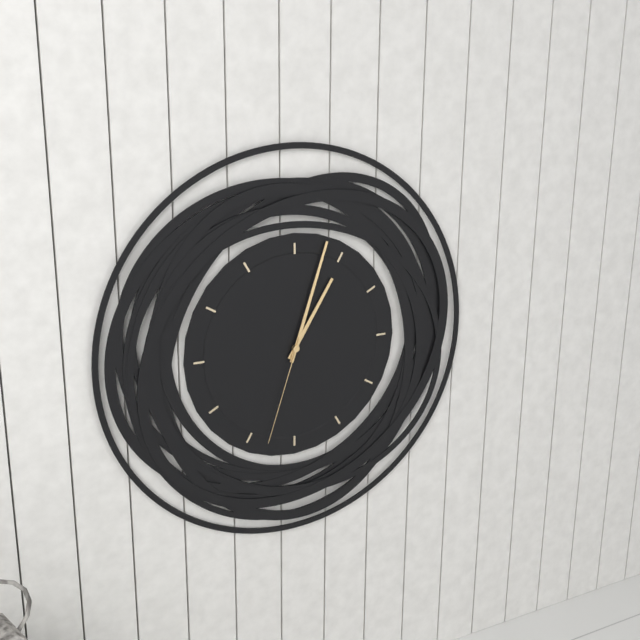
1:03:33
